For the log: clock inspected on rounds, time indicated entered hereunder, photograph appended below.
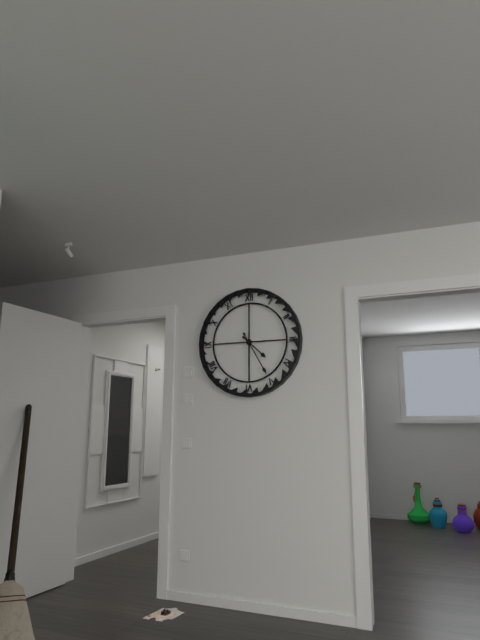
4:25
